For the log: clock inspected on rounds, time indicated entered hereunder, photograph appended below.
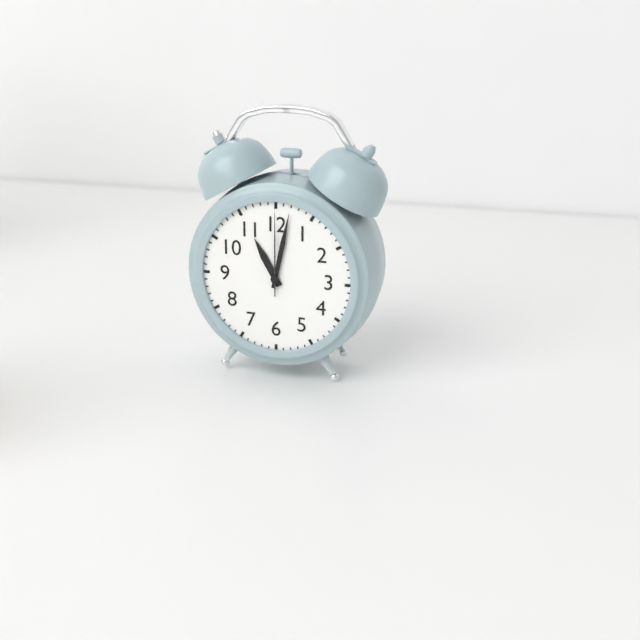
11:02:00
